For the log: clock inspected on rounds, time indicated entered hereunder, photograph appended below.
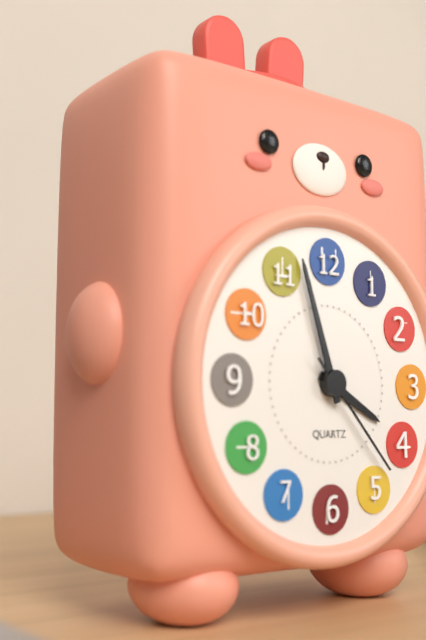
3:57:23
